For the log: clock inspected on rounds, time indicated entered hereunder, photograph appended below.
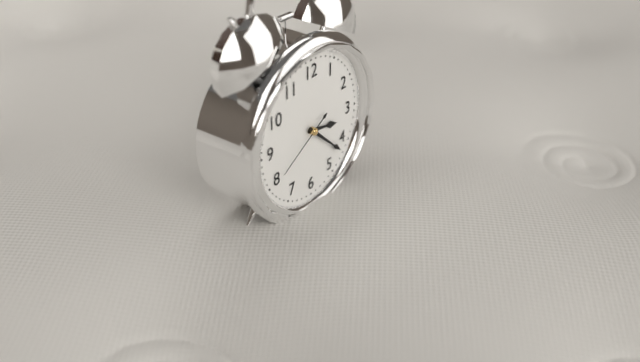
3:22:40
